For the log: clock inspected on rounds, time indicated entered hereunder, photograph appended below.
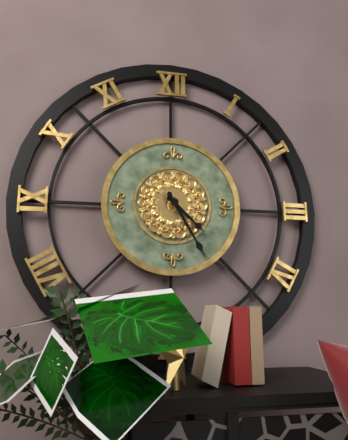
4:25
